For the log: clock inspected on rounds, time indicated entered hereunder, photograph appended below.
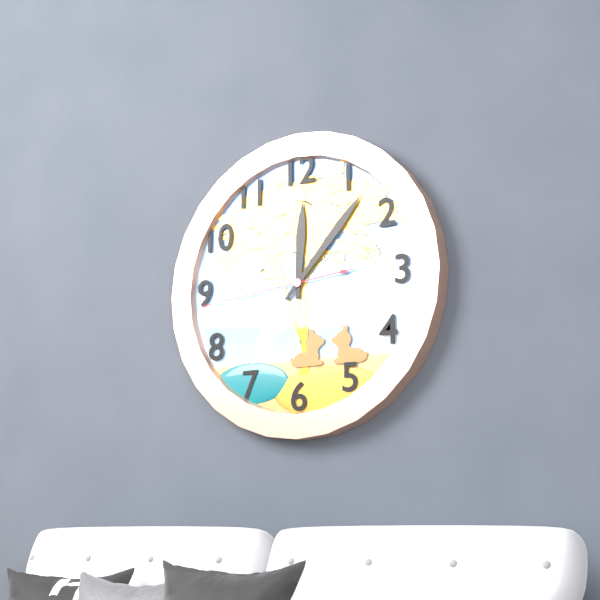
12:07:44
